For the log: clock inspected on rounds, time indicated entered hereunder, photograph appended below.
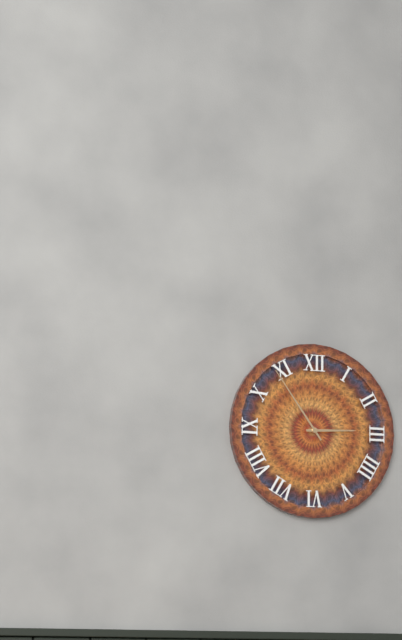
2:54
